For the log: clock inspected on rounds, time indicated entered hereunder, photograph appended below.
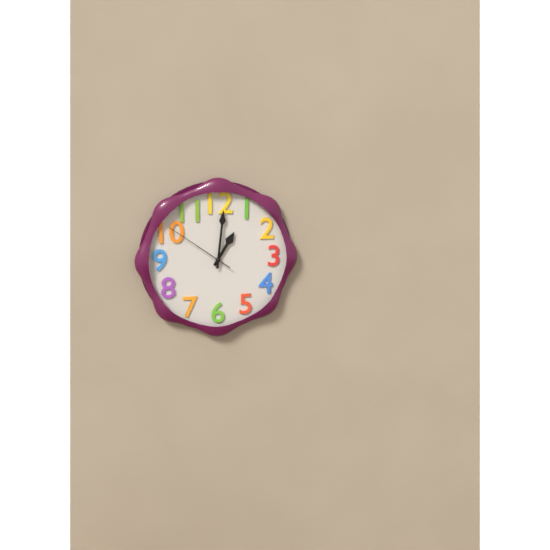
1:01:51
